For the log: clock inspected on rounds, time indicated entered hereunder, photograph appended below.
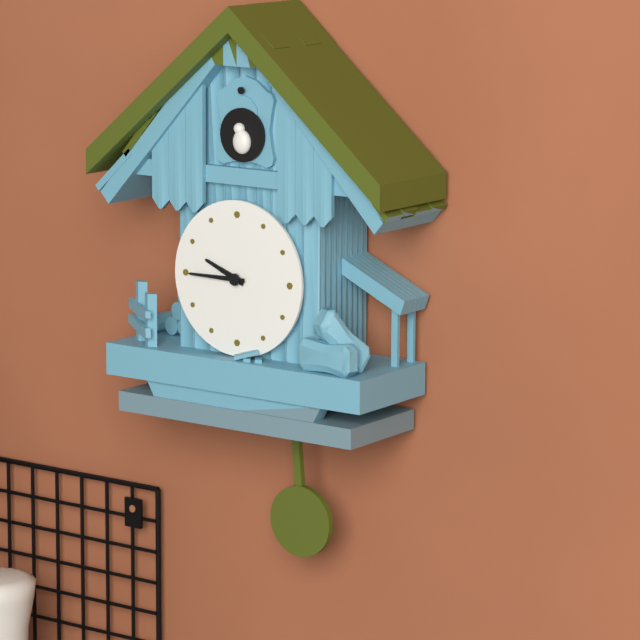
9:45
